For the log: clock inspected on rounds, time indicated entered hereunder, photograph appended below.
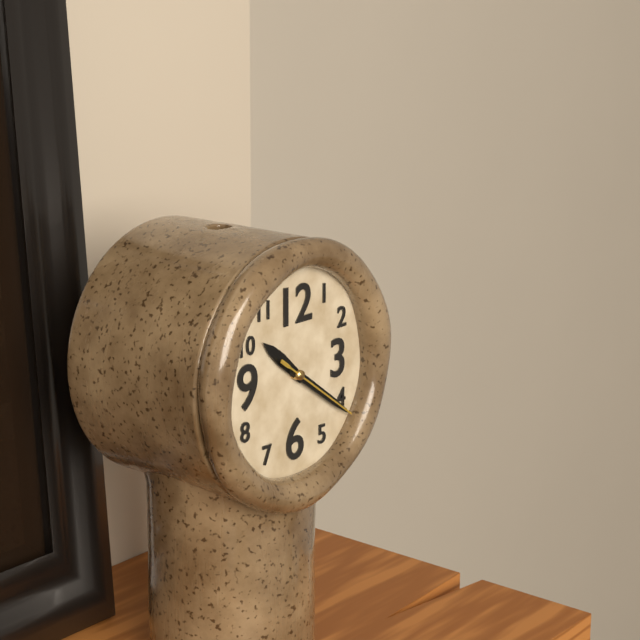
10:21:21
